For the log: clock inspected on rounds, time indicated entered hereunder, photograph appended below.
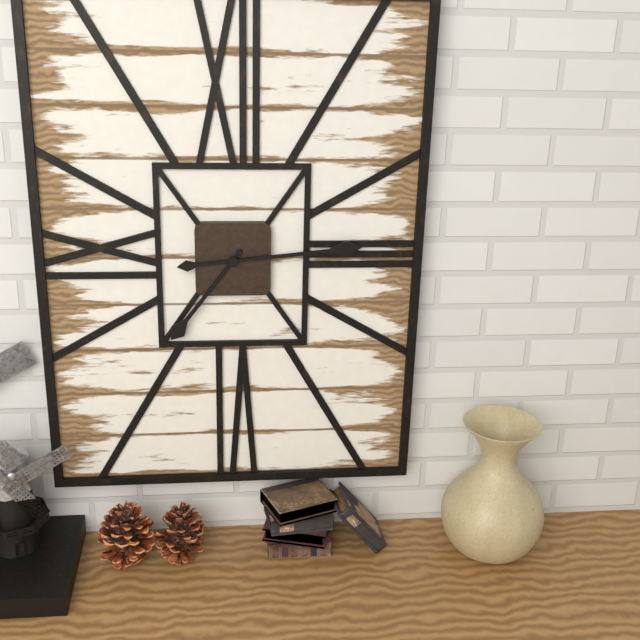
7:14
